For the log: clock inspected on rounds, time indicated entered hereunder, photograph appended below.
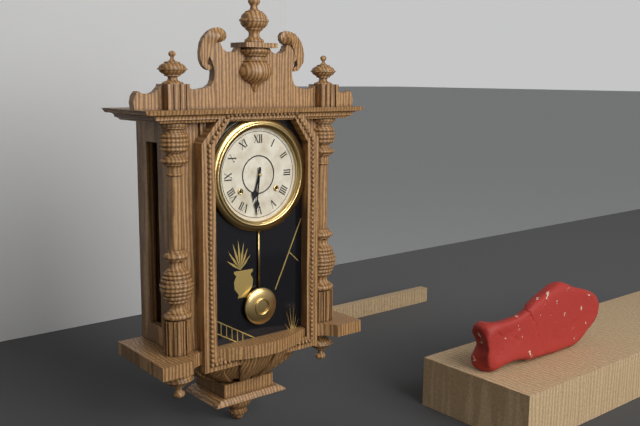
6:31
